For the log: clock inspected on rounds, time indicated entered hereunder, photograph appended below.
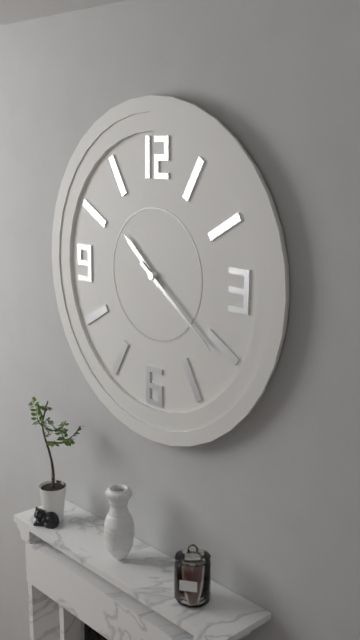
10:21
